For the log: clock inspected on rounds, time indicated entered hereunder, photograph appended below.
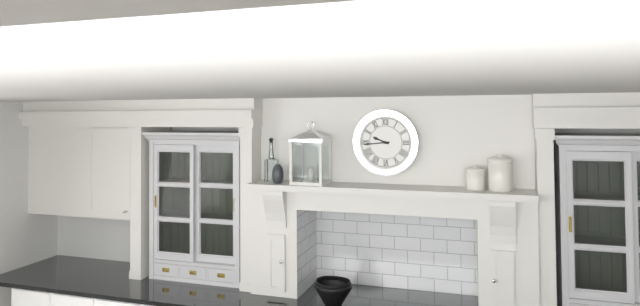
9:44
